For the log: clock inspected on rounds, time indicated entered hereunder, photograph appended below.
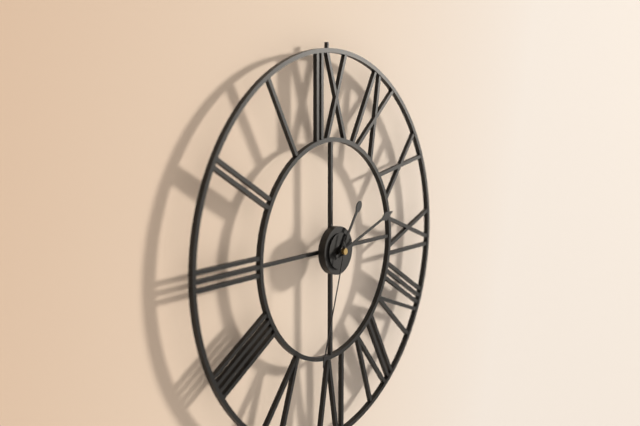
1:12:33
